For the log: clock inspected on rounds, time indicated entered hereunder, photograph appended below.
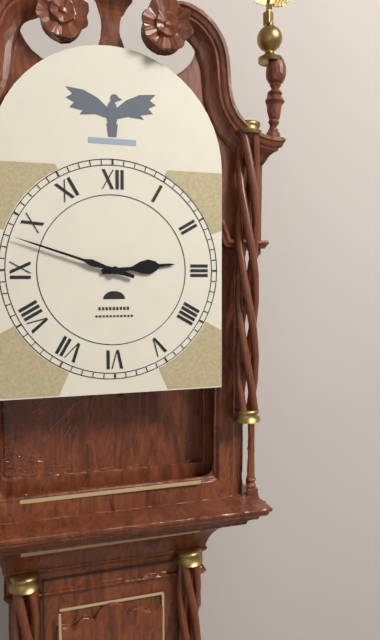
2:48
